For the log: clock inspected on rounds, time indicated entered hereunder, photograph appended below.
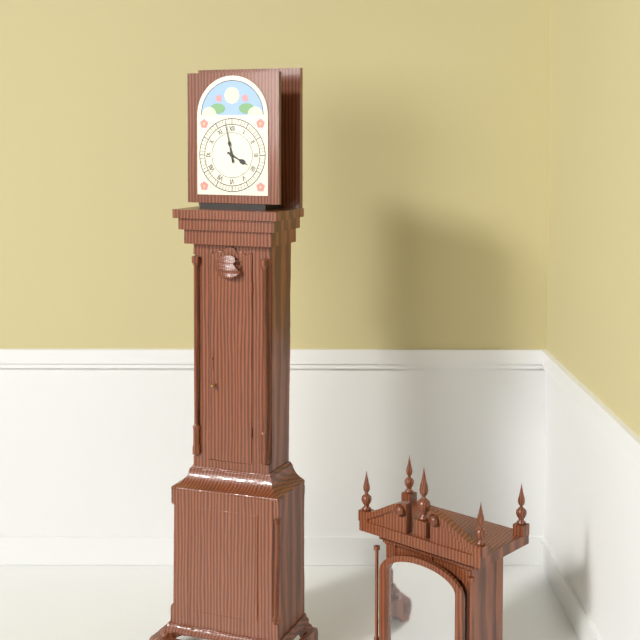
3:58
